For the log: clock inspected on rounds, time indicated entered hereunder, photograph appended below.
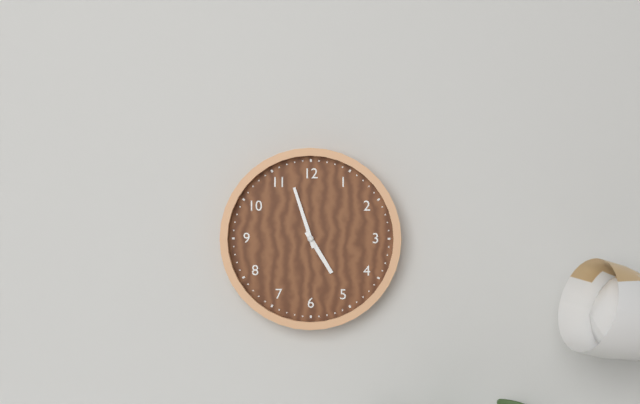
4:57
